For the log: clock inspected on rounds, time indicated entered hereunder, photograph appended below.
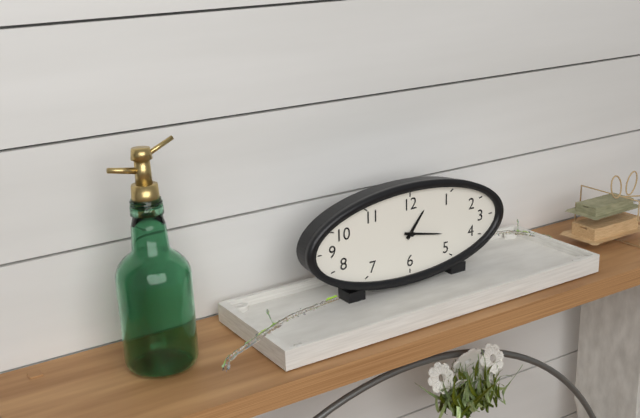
1:17
